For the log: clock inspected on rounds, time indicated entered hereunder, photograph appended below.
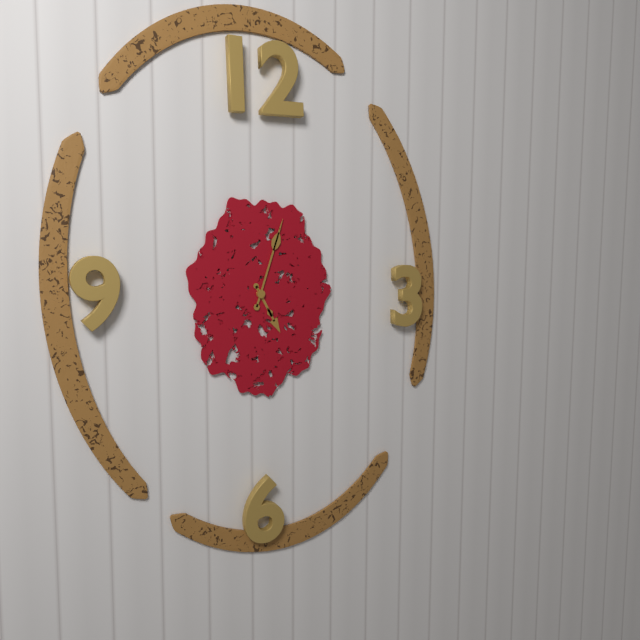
5:03
